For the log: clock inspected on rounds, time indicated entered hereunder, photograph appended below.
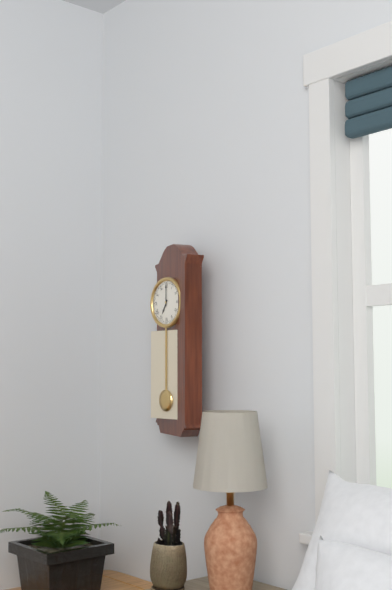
7:00
